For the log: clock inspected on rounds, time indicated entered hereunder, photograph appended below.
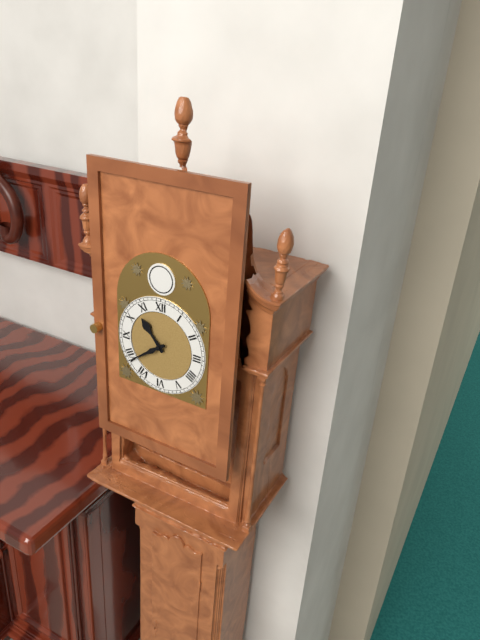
10:39
